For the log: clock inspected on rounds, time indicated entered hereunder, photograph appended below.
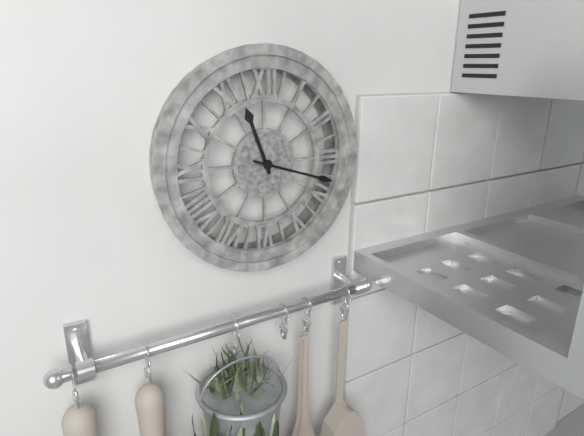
11:18
